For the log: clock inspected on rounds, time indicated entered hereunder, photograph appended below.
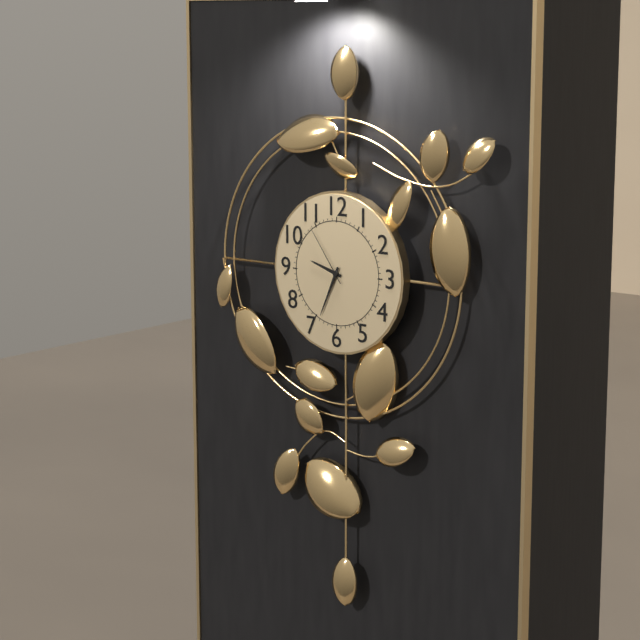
9:34:54
